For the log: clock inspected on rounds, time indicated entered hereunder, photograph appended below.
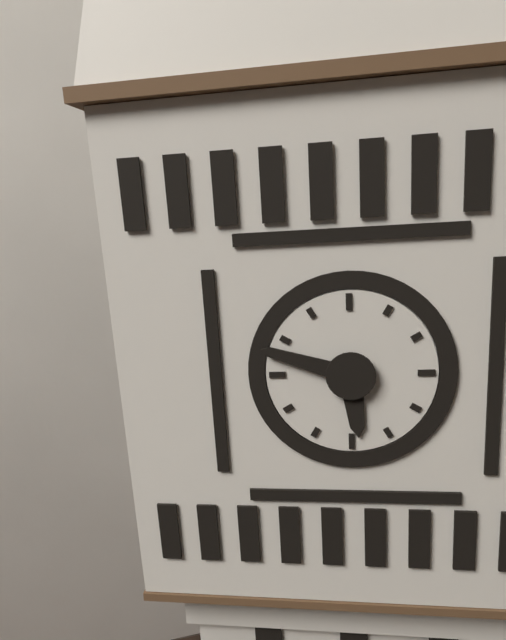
5:48
